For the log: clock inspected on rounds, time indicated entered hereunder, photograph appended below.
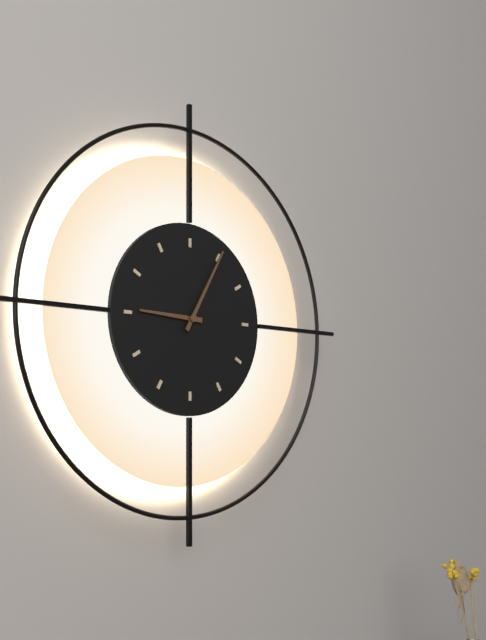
9:05
